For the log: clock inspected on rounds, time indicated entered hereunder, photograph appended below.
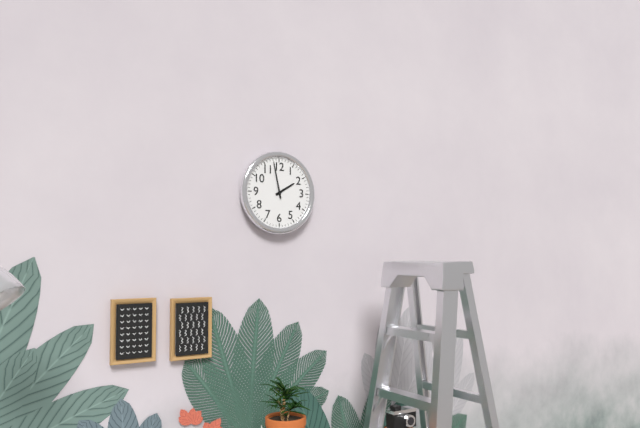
1:58
